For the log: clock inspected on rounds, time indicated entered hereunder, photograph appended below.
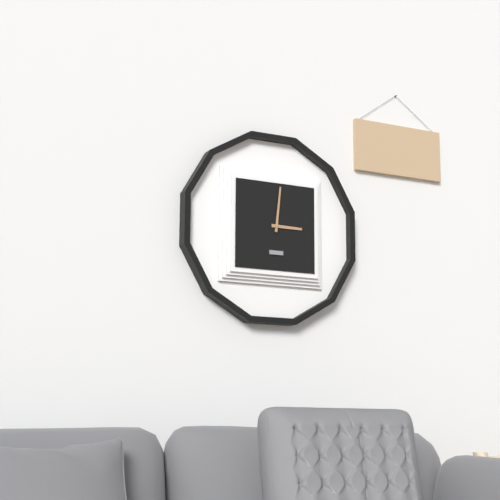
3:01
